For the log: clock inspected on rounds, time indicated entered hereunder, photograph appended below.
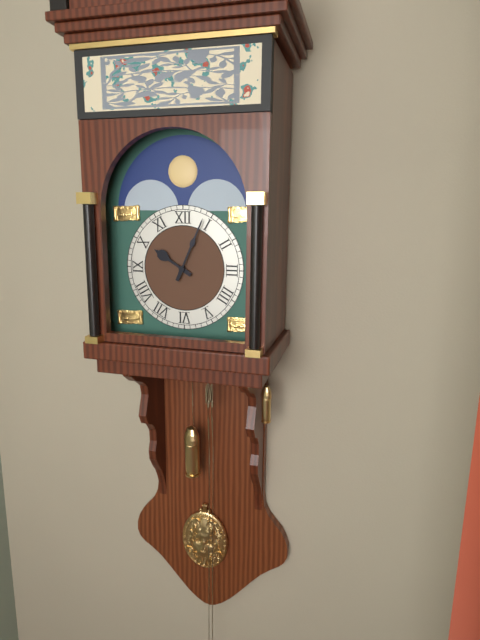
10:04
